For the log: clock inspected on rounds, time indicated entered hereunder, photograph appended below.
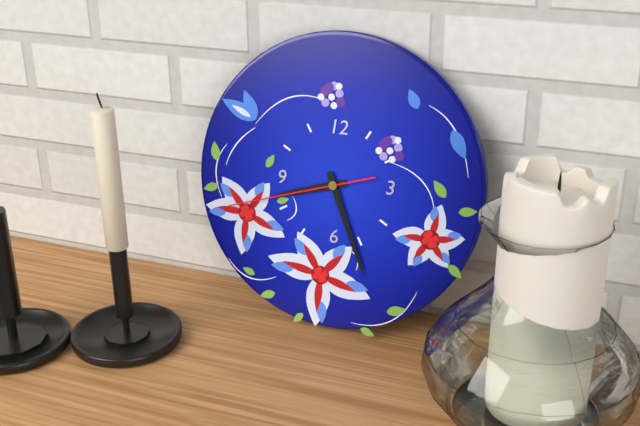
8:26:42
